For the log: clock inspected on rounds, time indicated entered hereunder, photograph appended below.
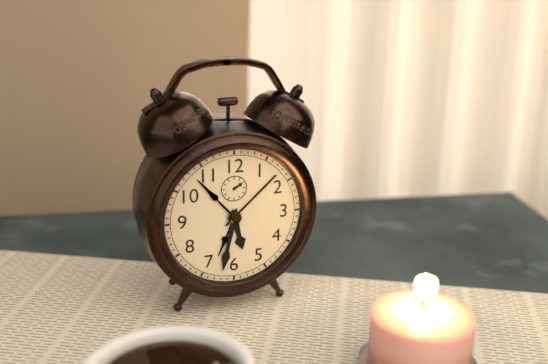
5:32
